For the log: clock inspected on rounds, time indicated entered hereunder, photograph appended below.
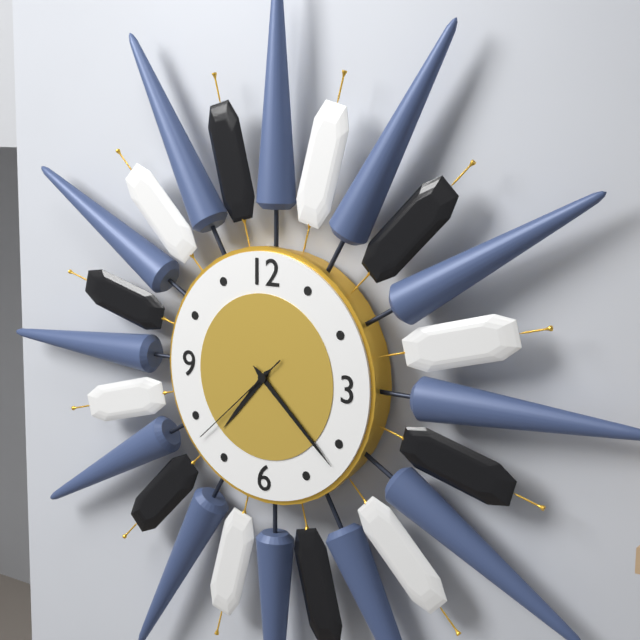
7:22:38
